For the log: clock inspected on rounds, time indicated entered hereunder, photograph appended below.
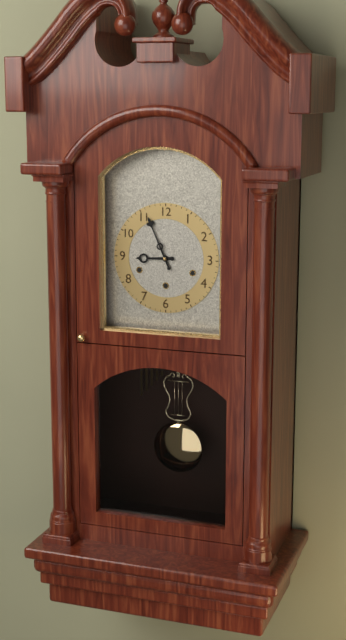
8:56
